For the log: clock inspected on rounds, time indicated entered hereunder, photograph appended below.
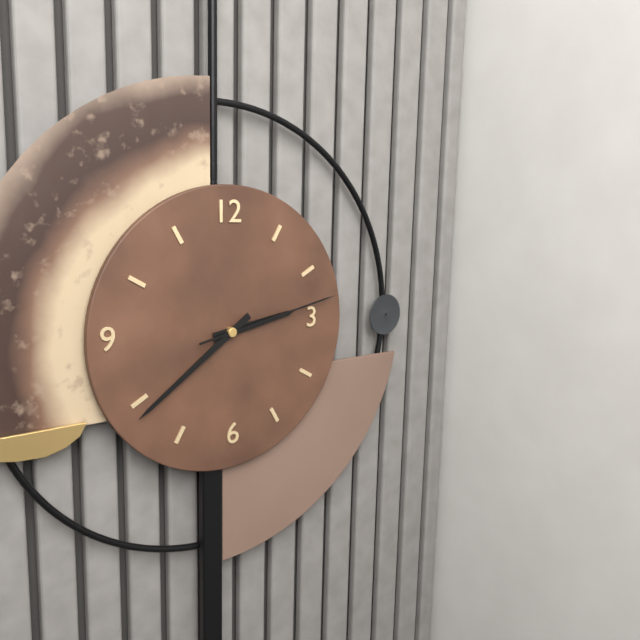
2:39:13
